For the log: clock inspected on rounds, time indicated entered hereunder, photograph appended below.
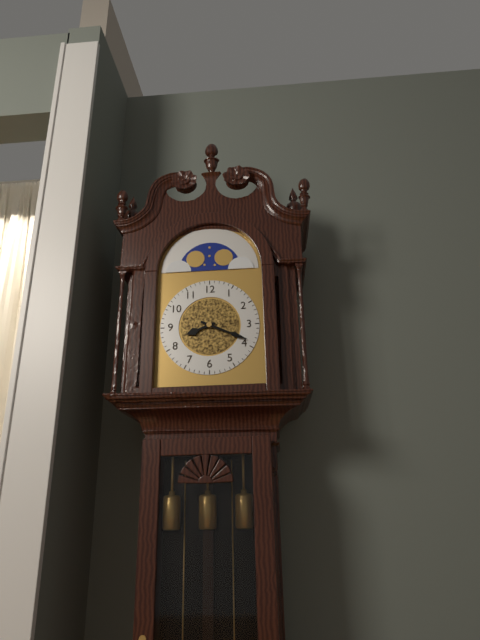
8:19
